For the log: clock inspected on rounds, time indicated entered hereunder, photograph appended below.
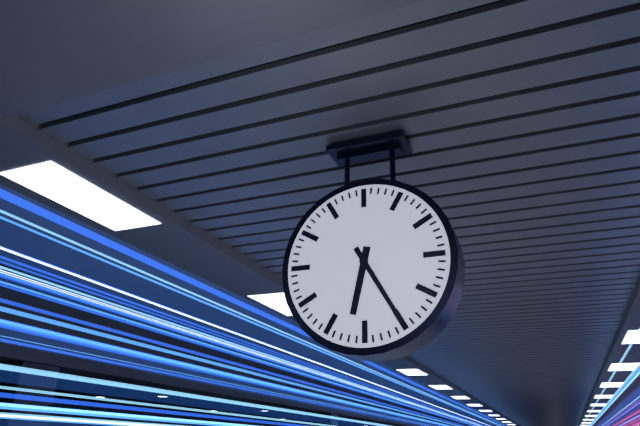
6:25
